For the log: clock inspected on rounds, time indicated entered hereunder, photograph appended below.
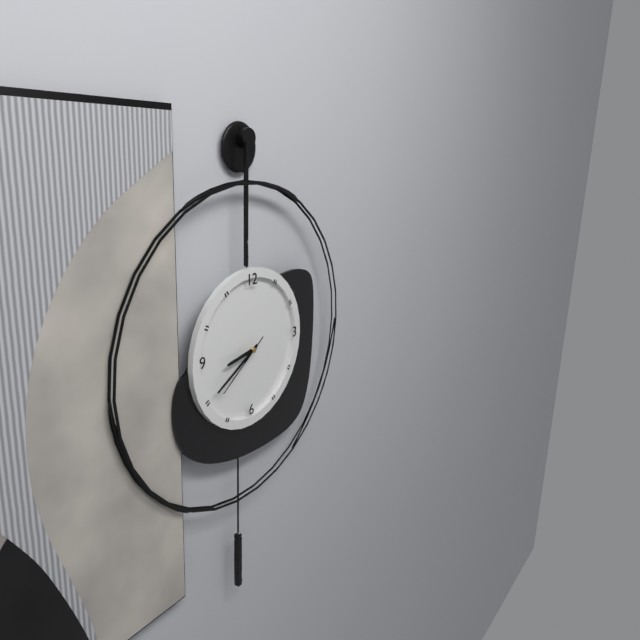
8:40:39
